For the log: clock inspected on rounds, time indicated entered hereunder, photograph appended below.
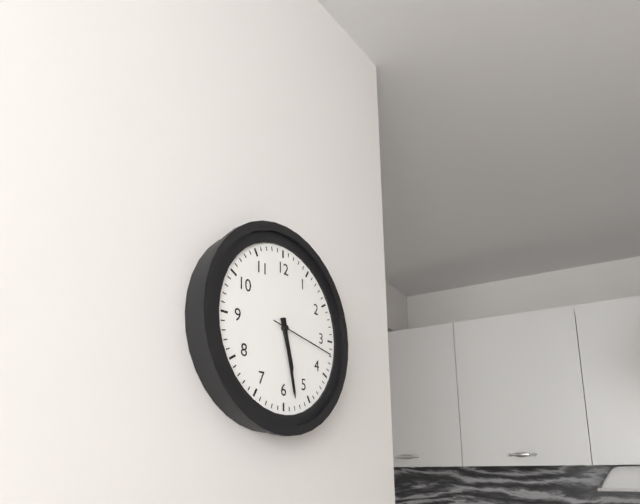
5:28:17
